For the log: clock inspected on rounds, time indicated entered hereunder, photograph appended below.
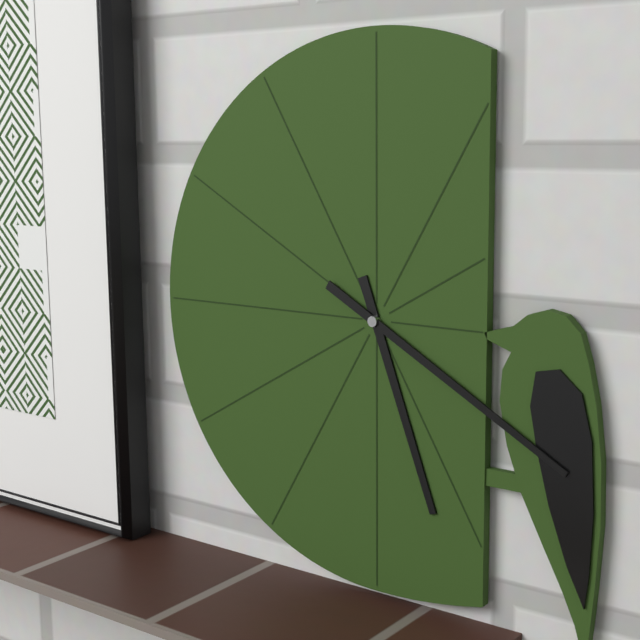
5:20
